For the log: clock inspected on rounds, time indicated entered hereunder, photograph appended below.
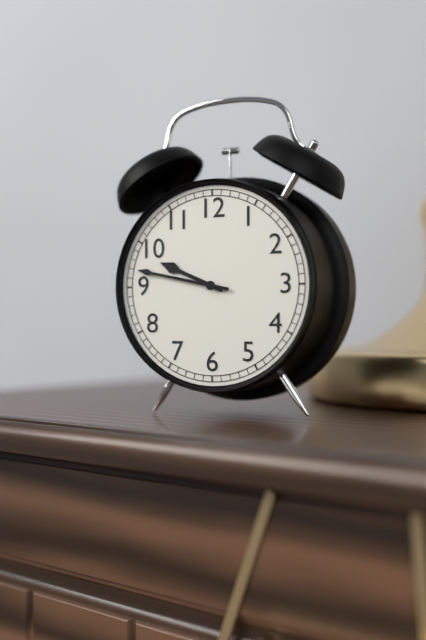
9:47
